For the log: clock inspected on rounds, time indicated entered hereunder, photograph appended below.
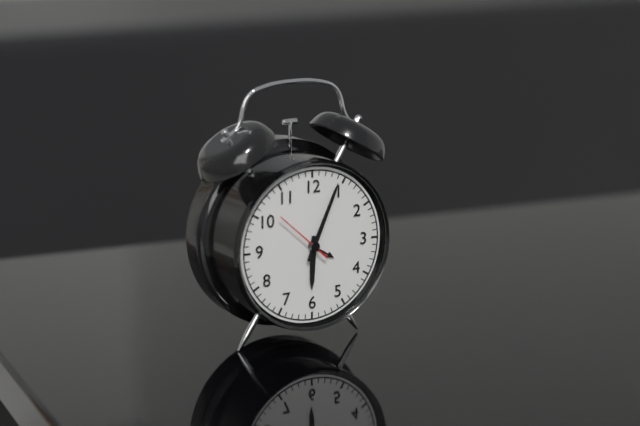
6:04
